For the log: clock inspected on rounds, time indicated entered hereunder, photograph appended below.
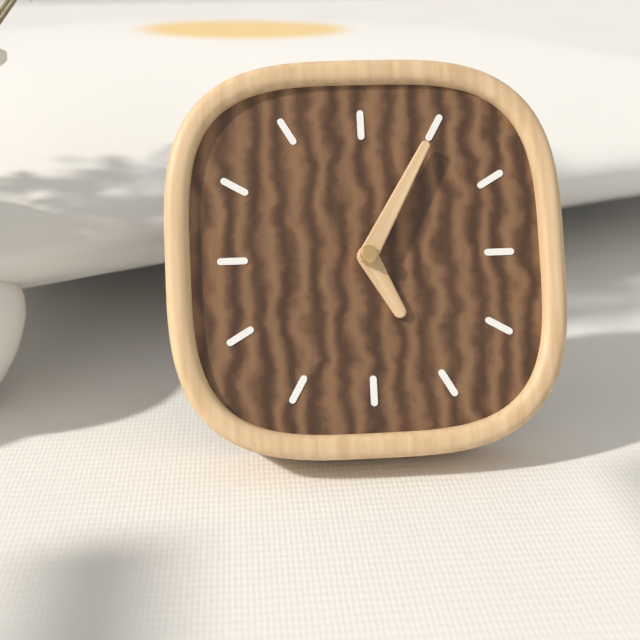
5:05
